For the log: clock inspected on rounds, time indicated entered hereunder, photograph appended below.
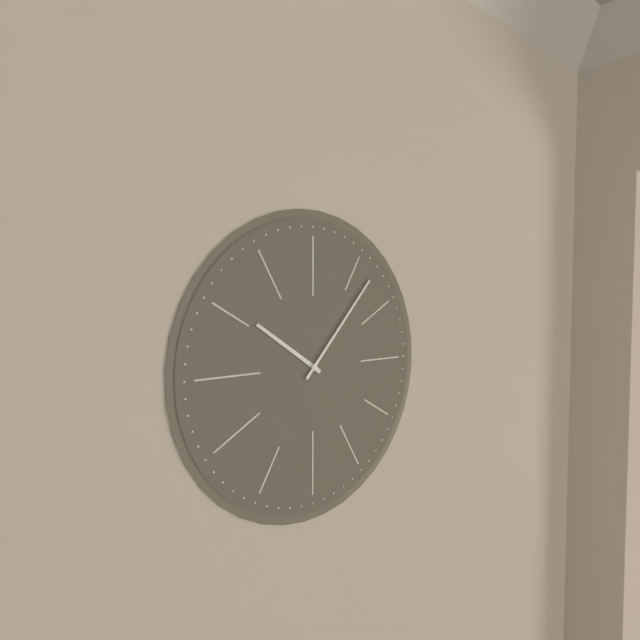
10:07
